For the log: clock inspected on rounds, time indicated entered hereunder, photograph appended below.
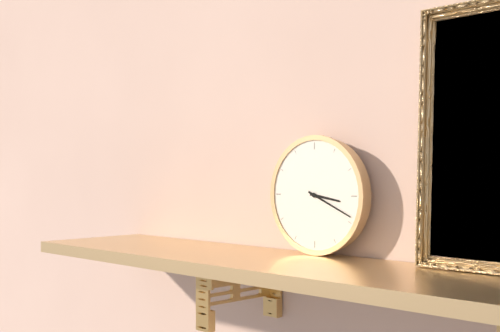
3:19
